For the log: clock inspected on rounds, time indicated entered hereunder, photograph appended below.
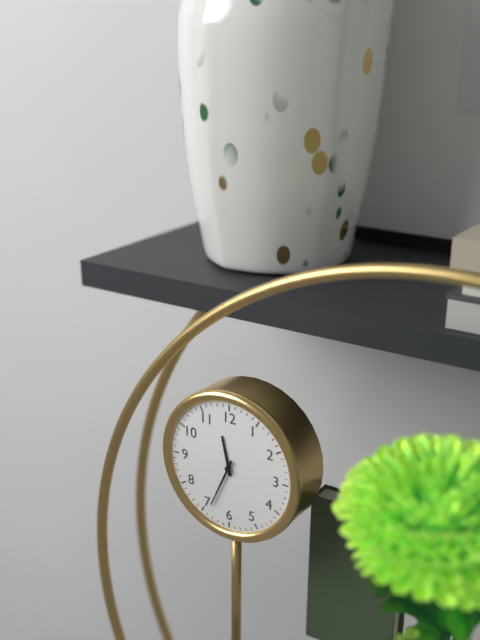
11:34
